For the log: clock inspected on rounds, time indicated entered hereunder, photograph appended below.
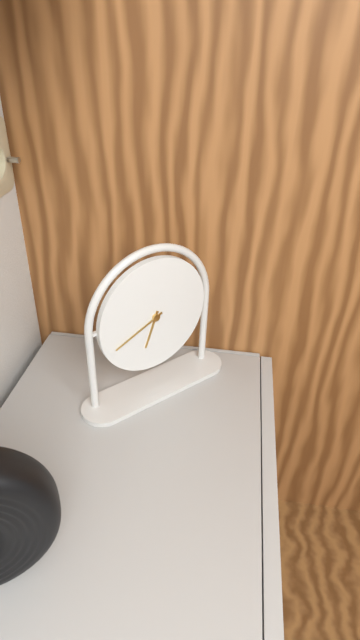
6:41
